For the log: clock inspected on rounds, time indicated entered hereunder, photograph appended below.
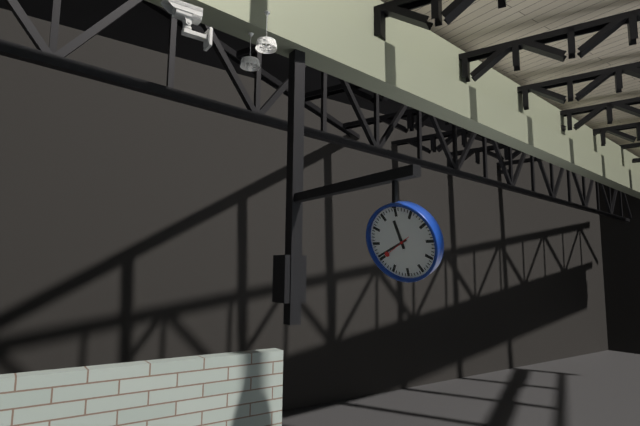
11:41
